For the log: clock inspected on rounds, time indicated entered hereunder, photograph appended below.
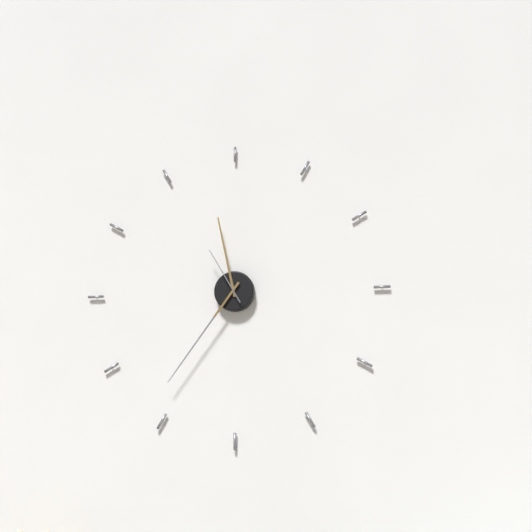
11:36:55
